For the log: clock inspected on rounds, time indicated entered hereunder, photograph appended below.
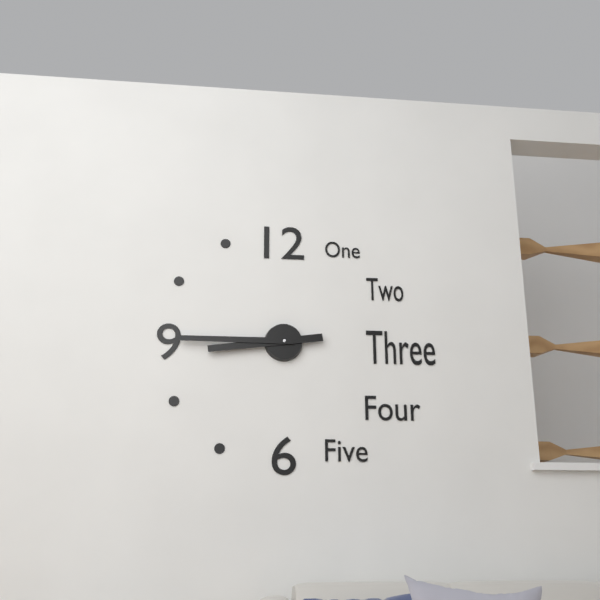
8:45
